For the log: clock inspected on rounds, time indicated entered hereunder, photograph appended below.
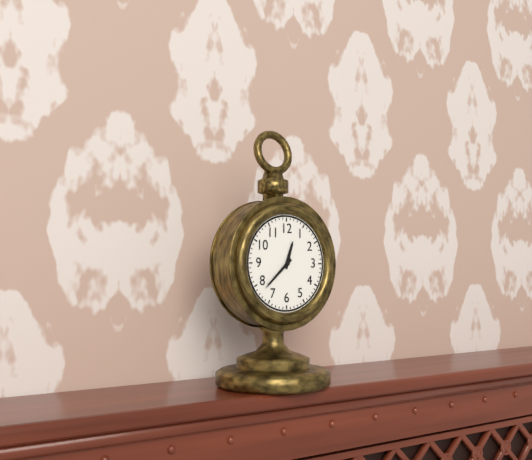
12:38
